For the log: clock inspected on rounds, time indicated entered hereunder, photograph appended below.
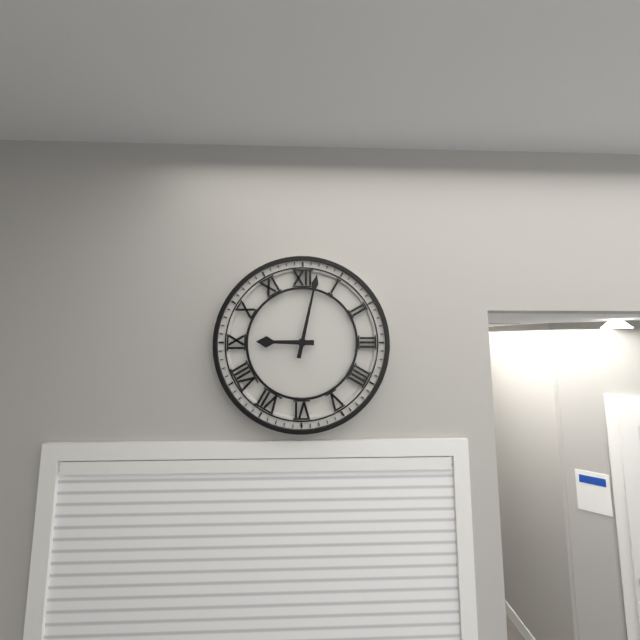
9:02
